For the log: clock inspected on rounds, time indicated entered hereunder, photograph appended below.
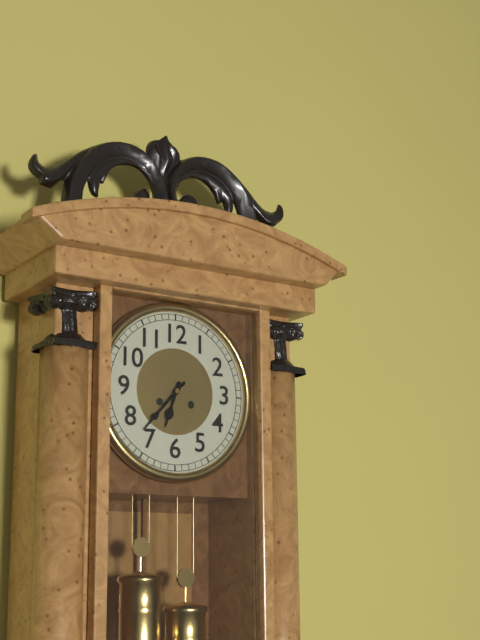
6:37
